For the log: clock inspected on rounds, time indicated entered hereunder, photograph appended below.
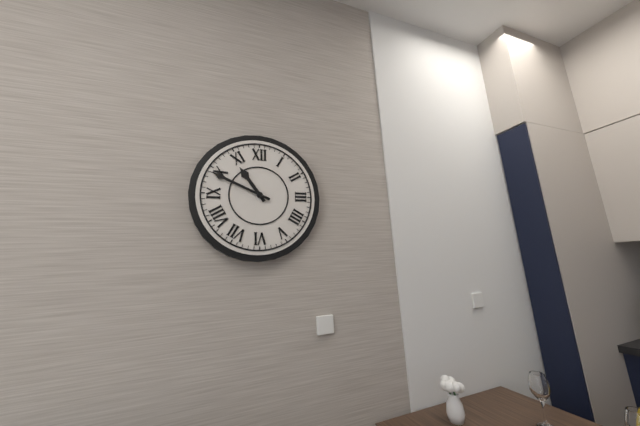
10:49
